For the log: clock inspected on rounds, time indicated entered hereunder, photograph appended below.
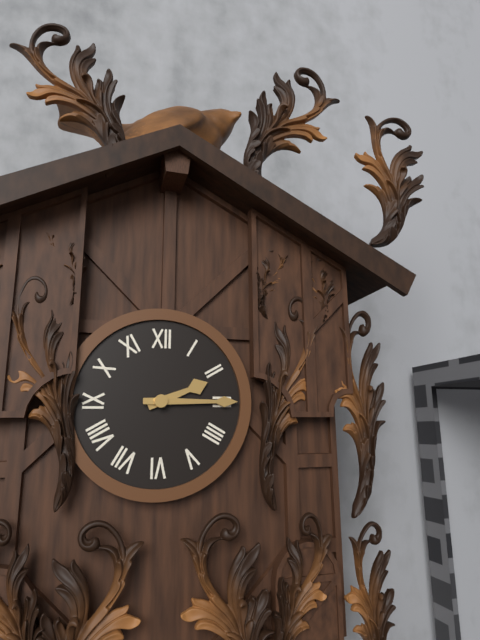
2:15
